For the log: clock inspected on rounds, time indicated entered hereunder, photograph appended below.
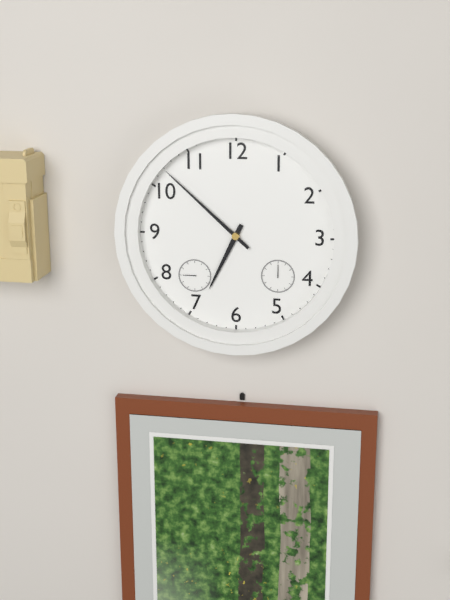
6:52
